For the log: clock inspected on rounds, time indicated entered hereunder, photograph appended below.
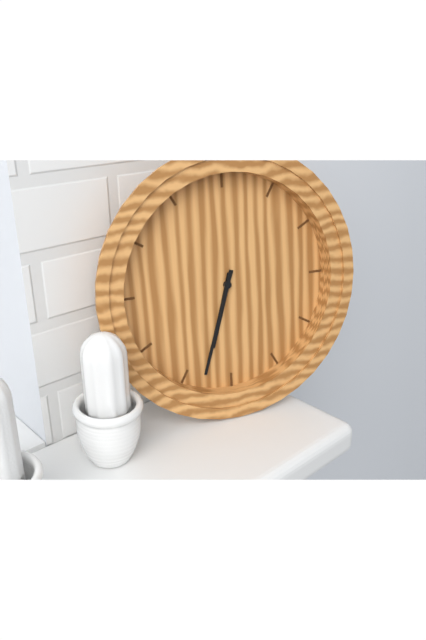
6:33
